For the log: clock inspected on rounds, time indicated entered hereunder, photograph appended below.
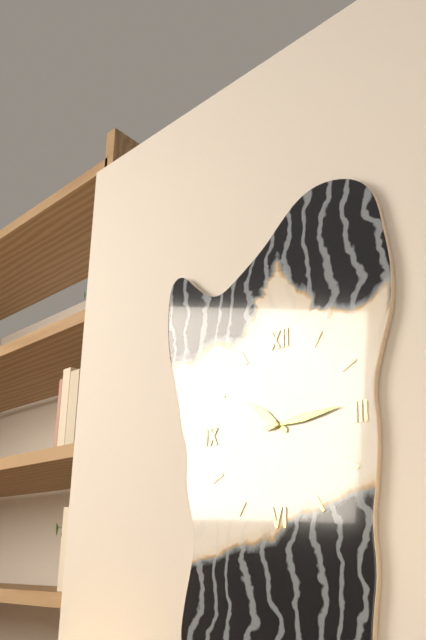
10:14
